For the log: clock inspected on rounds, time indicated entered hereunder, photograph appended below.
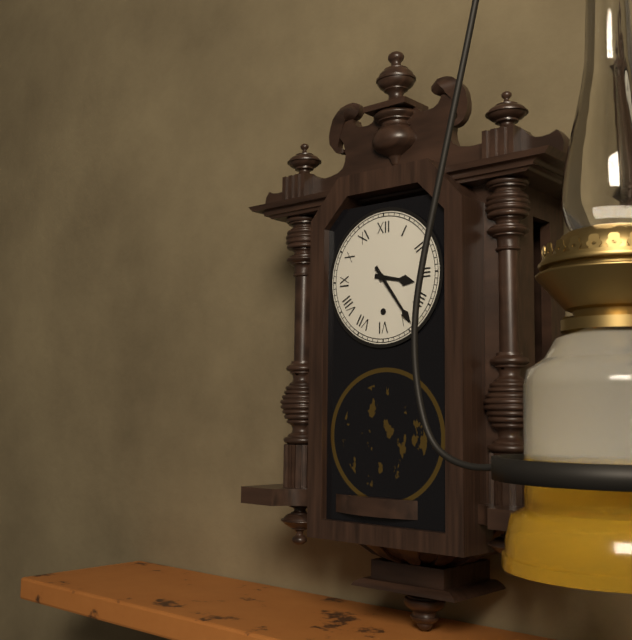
3:24
